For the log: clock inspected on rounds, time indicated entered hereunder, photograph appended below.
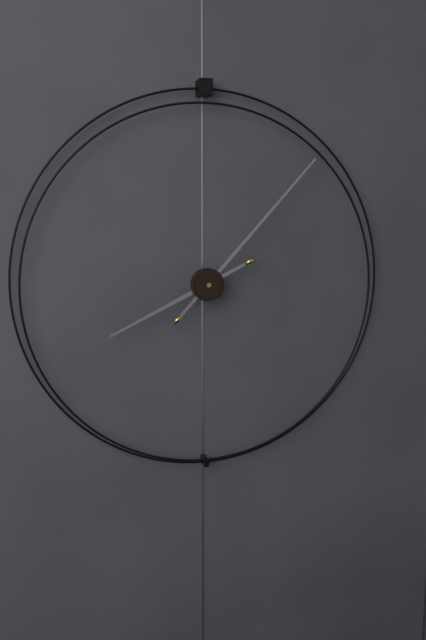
8:07
